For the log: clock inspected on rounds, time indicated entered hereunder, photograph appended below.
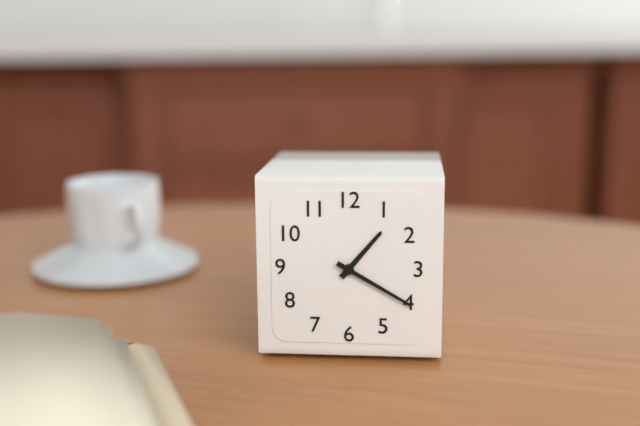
1:20
